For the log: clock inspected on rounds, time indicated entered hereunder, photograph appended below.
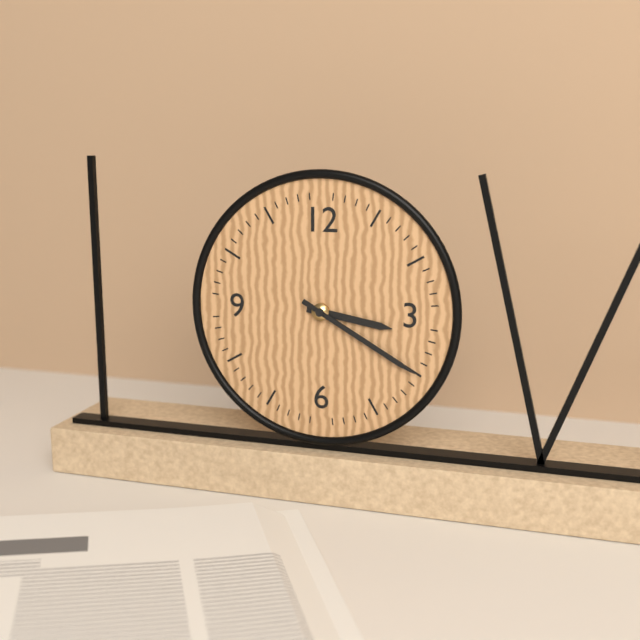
3:20
